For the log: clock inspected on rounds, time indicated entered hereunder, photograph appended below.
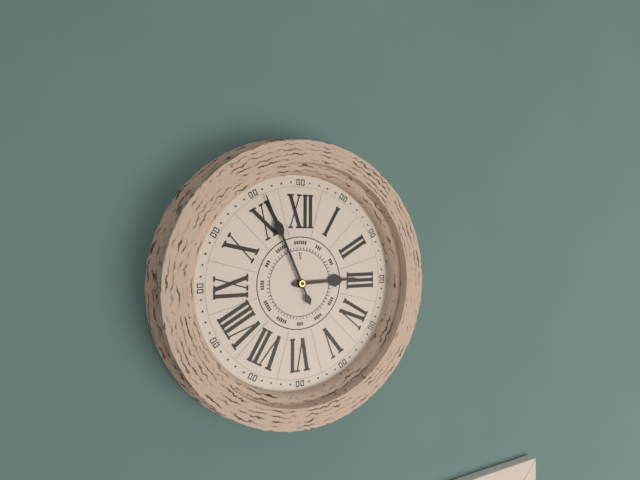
2:56
